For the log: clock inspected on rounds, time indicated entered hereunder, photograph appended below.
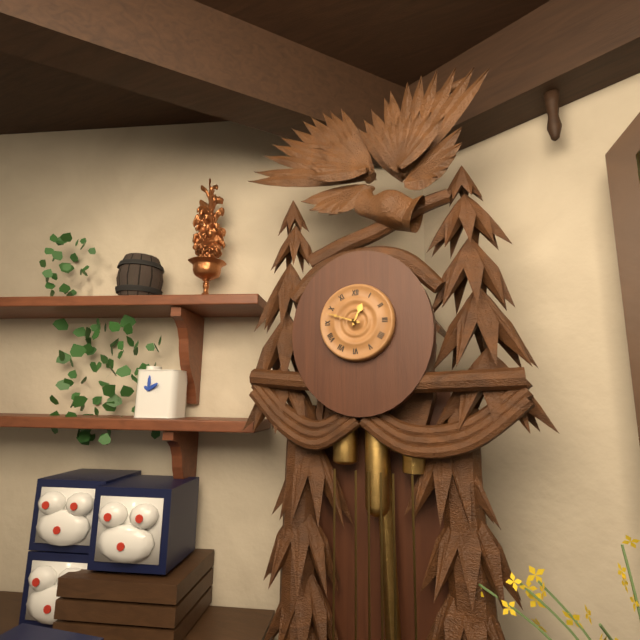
12:48
